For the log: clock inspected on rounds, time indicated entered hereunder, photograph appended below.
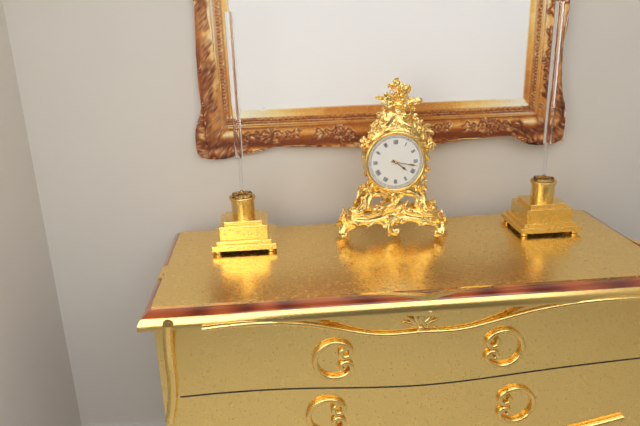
4:17
